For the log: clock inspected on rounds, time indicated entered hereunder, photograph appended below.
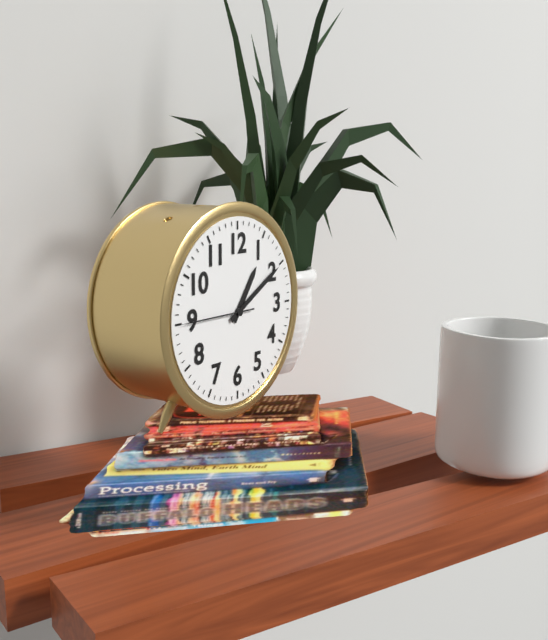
1:10:45
